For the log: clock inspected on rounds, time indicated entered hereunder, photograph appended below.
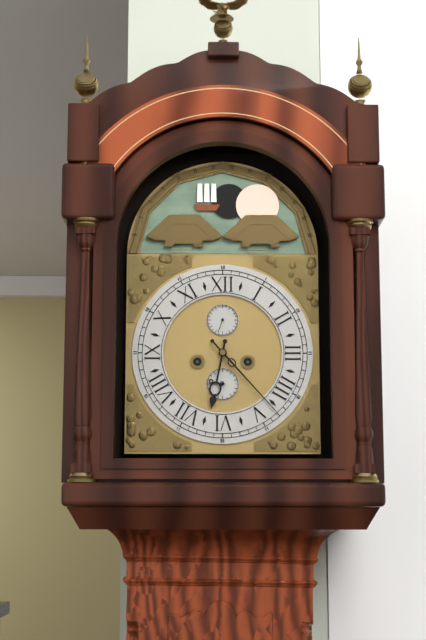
6:23
